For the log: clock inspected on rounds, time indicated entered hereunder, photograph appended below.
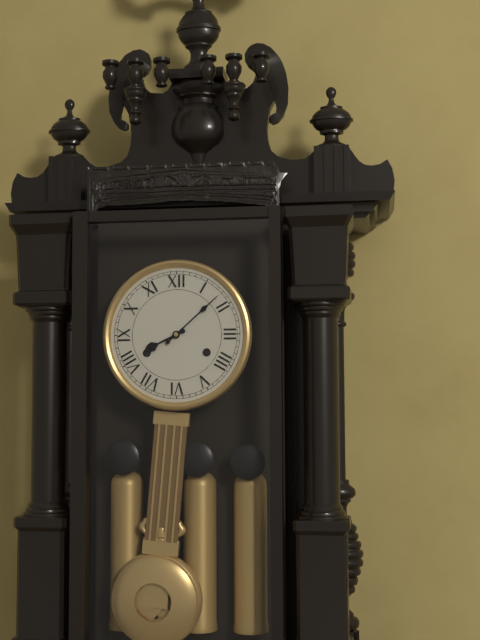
8:08
